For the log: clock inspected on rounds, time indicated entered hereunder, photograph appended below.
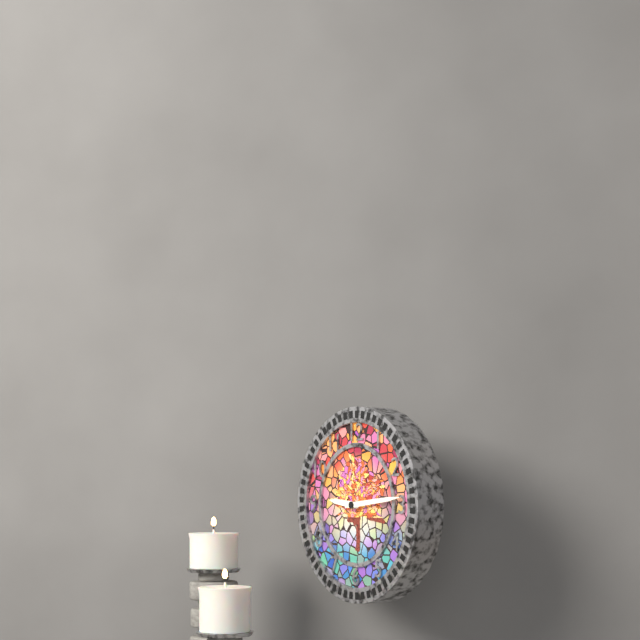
9:14
